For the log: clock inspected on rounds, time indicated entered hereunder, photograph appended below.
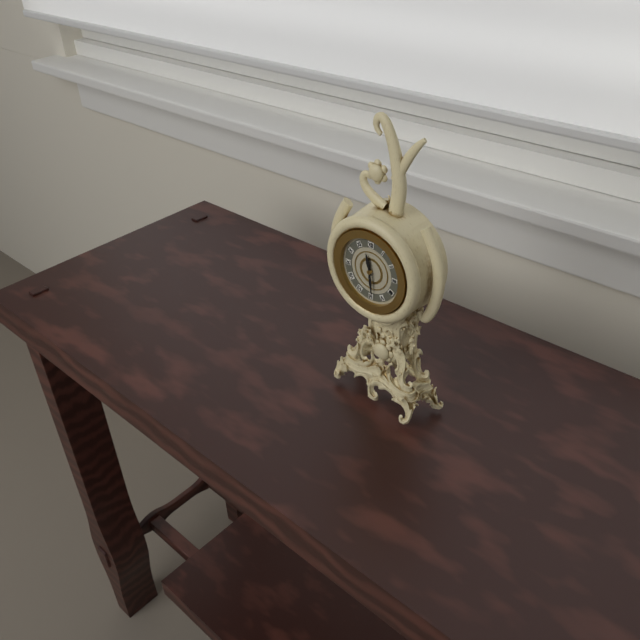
11:29
